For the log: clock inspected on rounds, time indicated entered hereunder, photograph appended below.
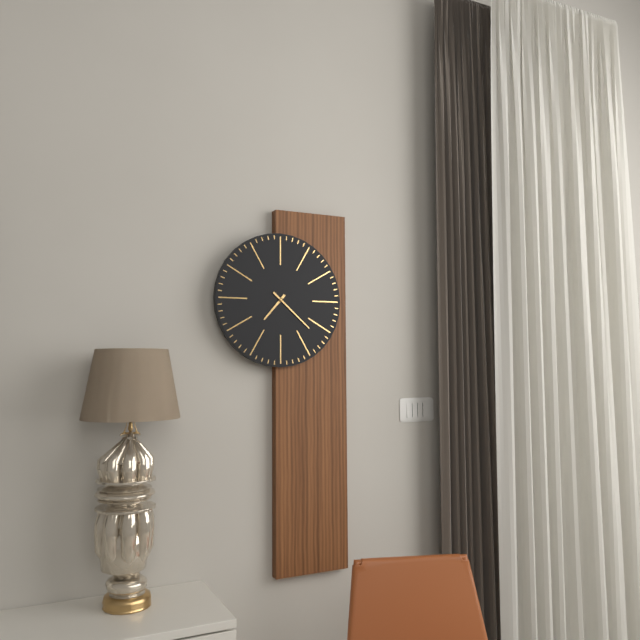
7:22
